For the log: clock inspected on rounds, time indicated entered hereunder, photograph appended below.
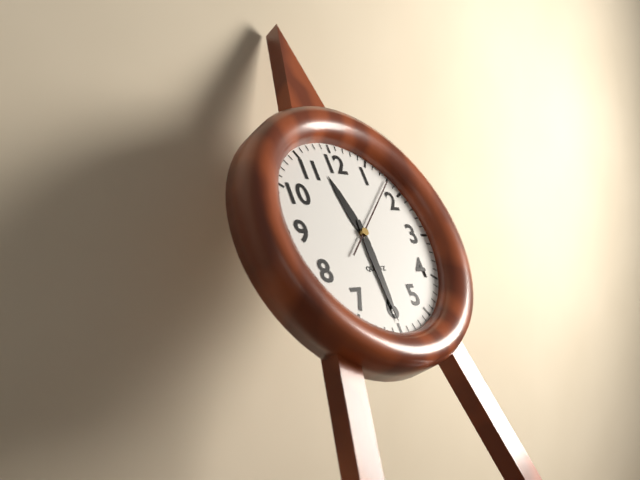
11:30:08
